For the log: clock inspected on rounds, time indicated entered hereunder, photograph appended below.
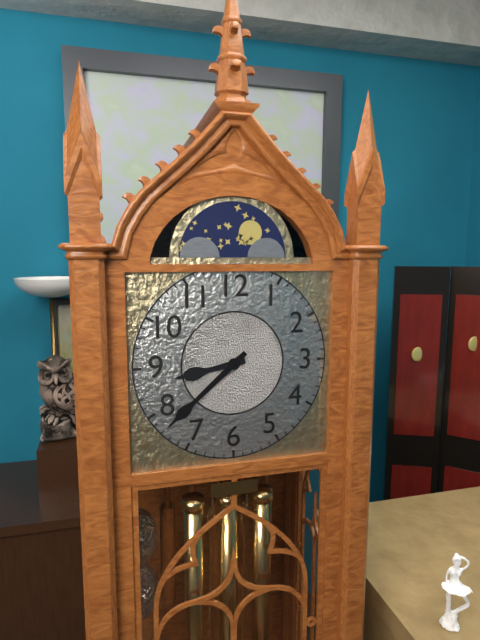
8:38
